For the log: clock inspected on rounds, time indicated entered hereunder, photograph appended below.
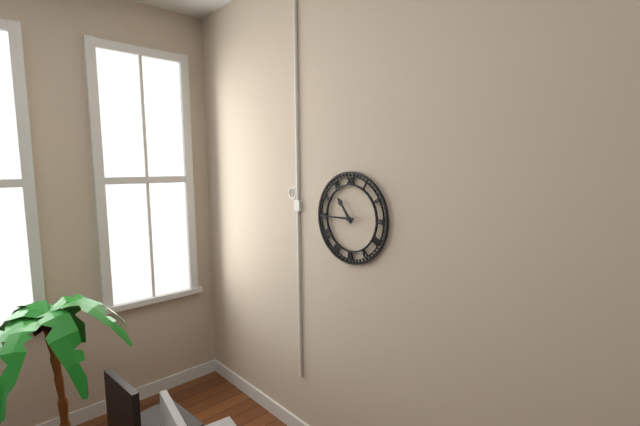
10:45
